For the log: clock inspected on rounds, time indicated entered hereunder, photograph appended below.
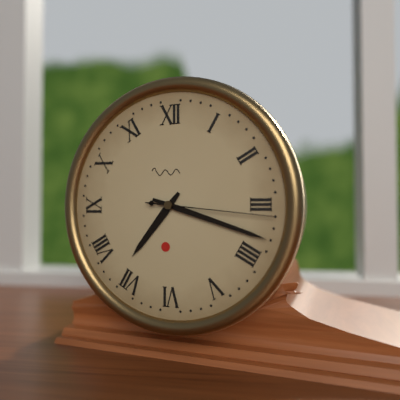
7:18:16
